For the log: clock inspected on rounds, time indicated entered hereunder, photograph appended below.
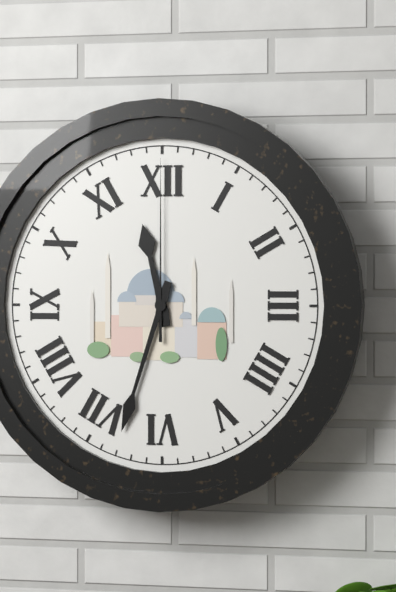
11:33:00
